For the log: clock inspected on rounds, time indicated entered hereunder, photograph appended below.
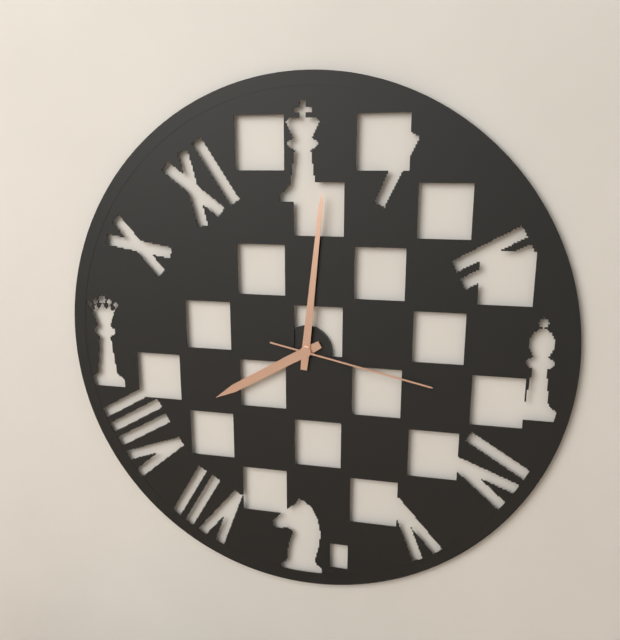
8:01:17
